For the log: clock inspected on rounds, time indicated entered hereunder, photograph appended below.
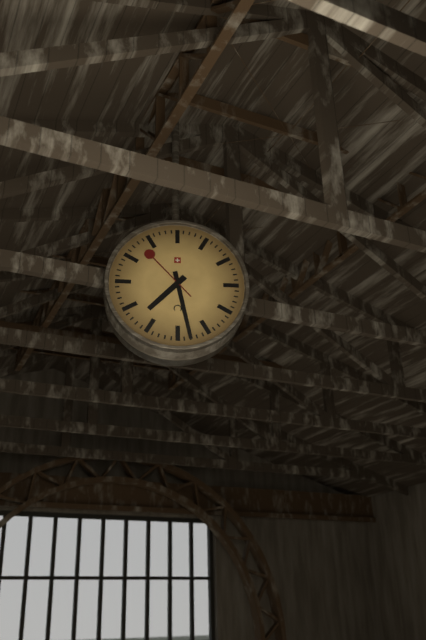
7:28:53
